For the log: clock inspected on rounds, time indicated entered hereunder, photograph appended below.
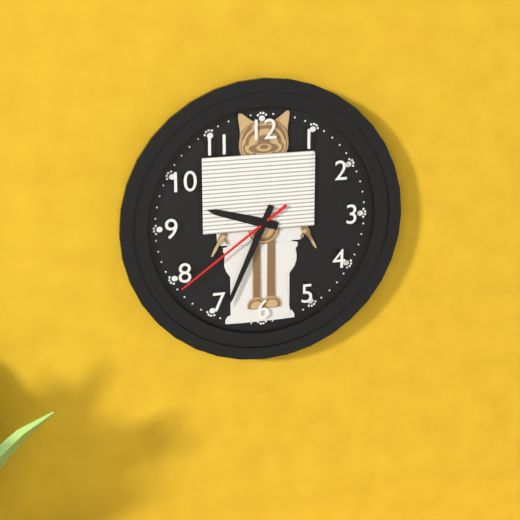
9:34:39
